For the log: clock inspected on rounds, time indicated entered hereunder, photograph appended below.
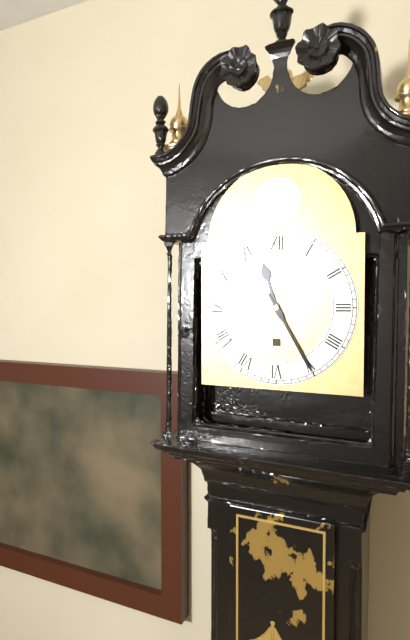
11:25
